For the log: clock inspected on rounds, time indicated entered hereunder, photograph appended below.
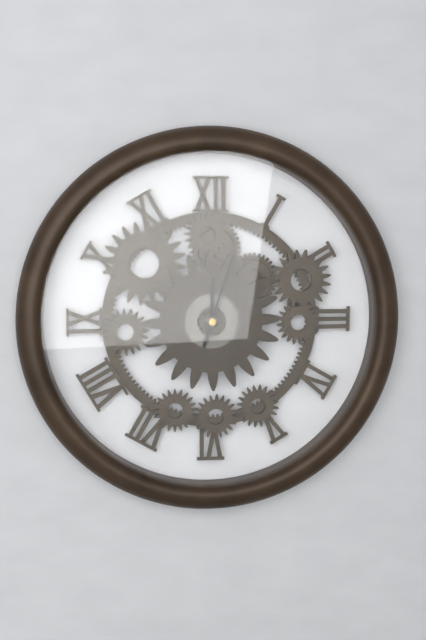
12:03
